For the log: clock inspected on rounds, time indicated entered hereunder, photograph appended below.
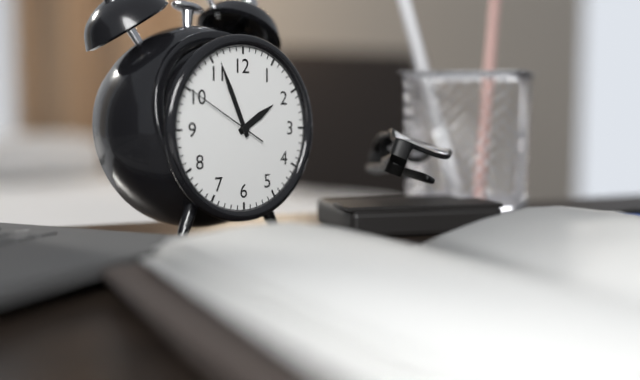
1:56:50
